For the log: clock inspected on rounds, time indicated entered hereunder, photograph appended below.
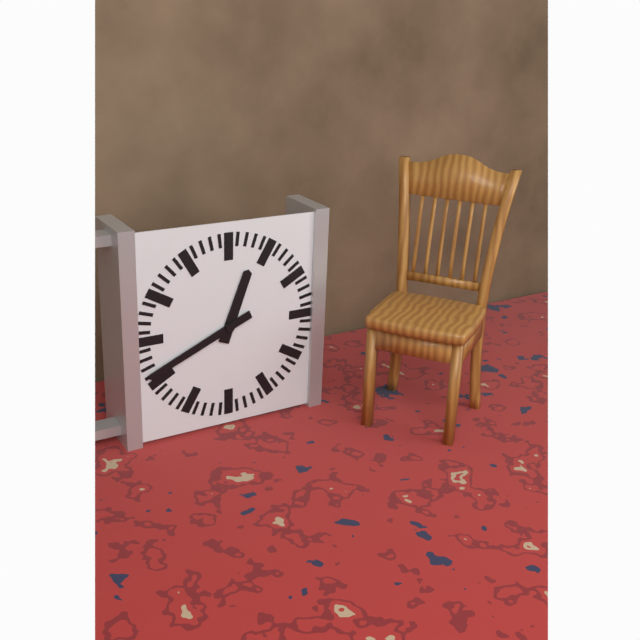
12:41
